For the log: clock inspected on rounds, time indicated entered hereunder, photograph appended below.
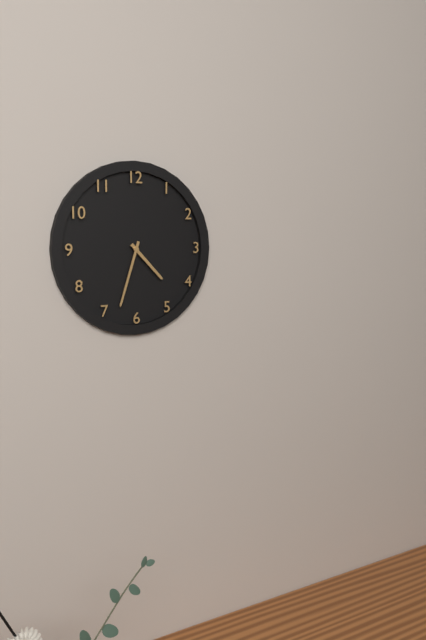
4:33
